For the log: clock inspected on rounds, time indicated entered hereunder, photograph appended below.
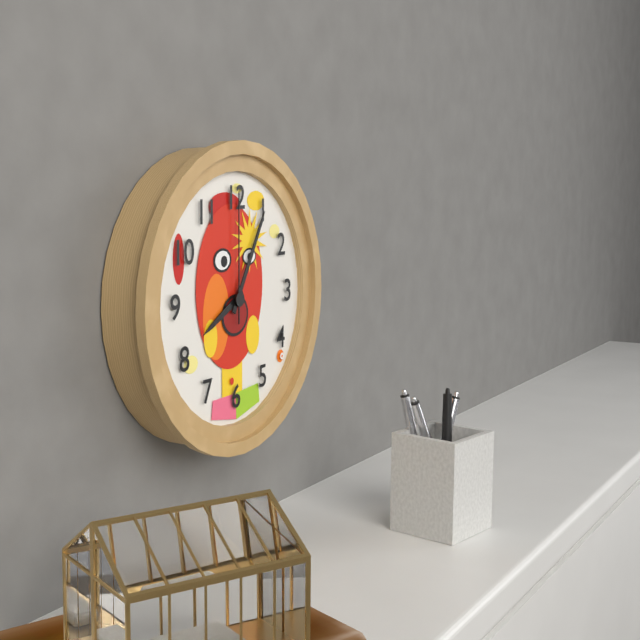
8:05:00
